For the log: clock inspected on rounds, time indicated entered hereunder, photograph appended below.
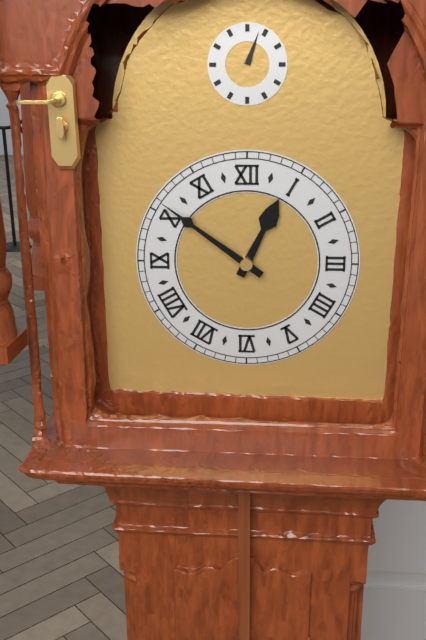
12:51
